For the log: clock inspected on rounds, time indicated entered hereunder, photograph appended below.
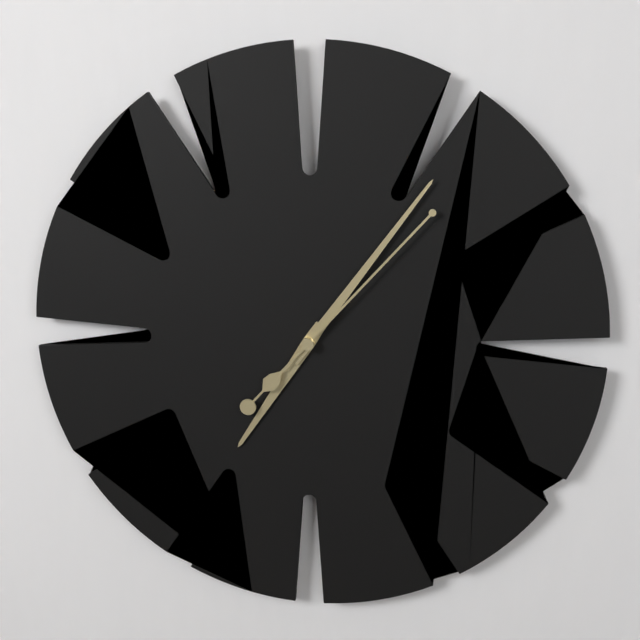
7:06:07
